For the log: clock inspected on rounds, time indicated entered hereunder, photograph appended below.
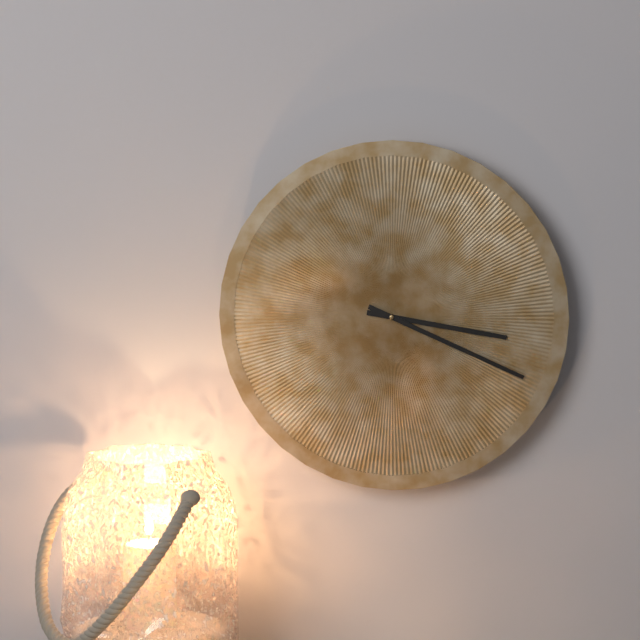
3:19
